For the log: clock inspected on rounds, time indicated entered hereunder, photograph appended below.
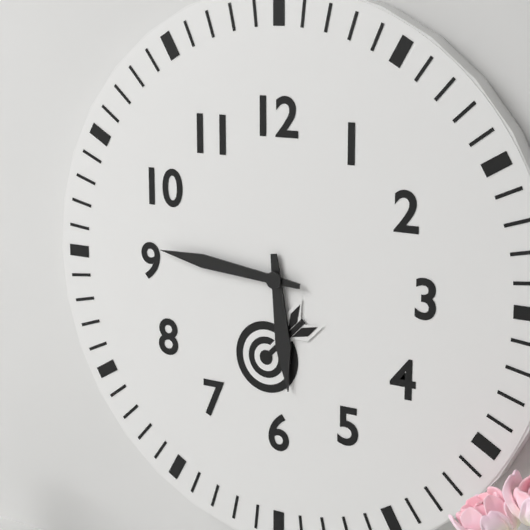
5:46
